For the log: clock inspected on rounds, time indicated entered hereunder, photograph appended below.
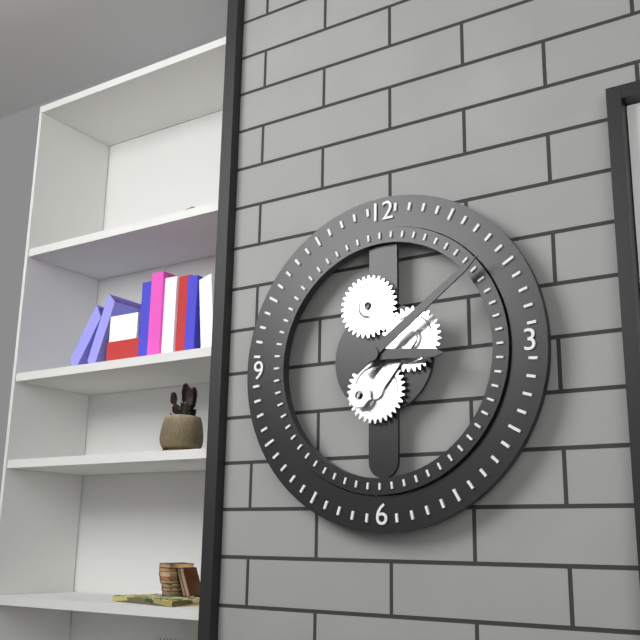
3:09
